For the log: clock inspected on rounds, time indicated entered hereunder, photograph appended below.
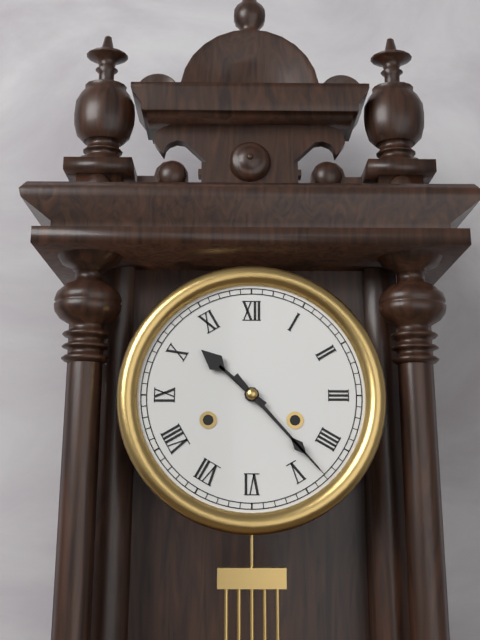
10:23
